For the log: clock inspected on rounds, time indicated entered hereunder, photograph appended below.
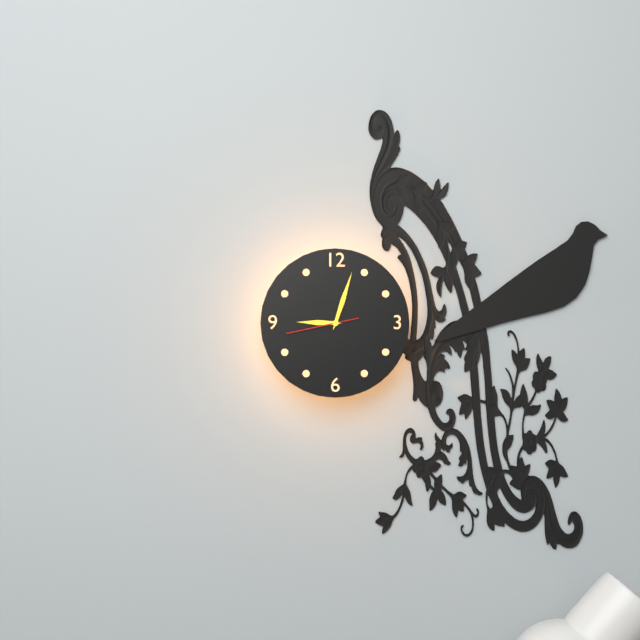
9:03:43
